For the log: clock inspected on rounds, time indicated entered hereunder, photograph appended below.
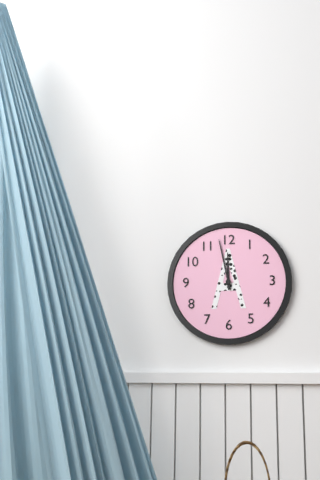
11:58
